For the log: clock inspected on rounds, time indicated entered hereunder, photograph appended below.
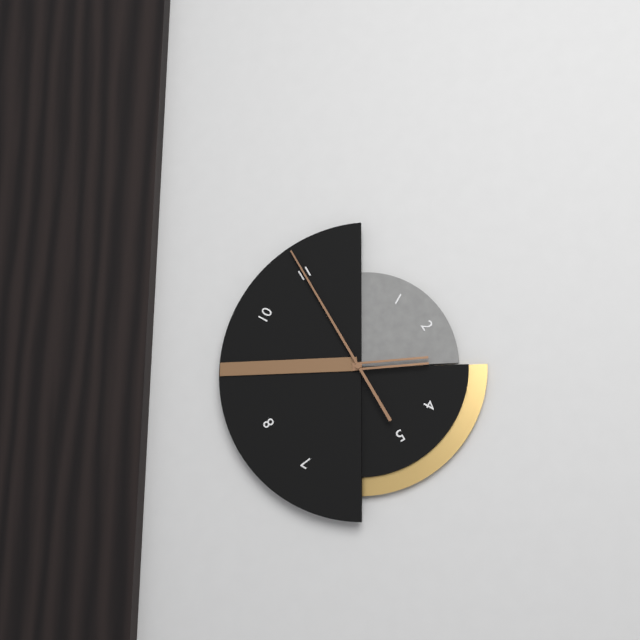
2:55
